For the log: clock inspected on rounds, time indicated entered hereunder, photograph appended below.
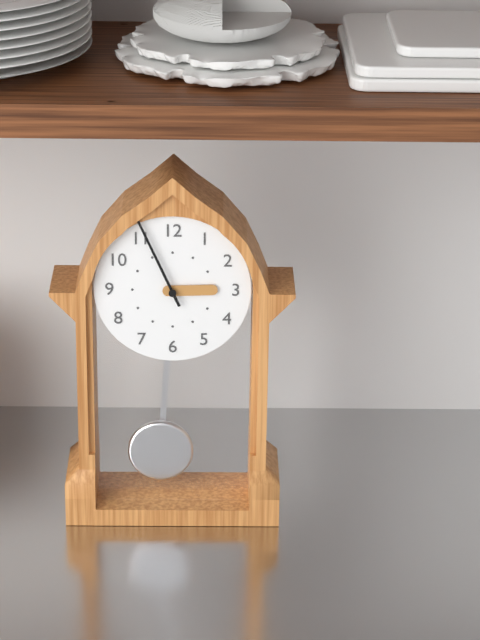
2:56
